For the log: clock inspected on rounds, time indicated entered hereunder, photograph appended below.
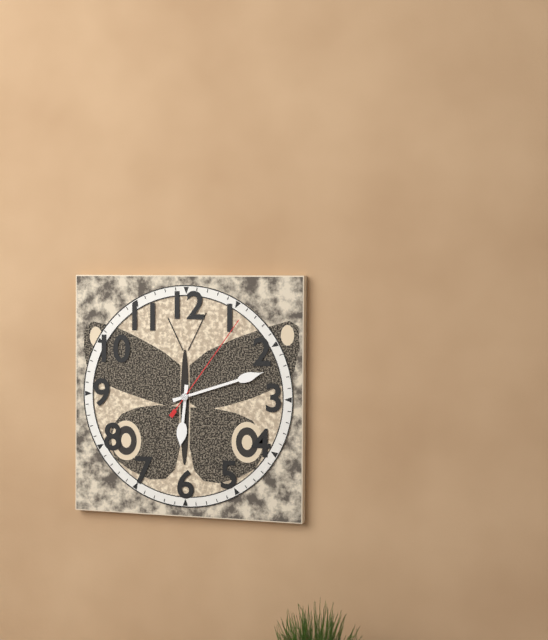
6:12:06
